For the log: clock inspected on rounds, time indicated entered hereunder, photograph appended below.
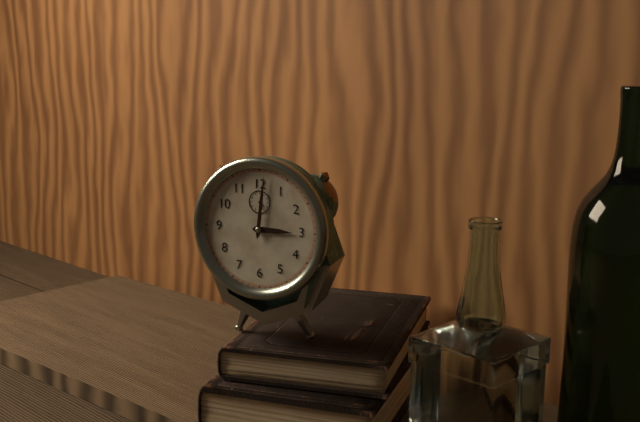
3:01
